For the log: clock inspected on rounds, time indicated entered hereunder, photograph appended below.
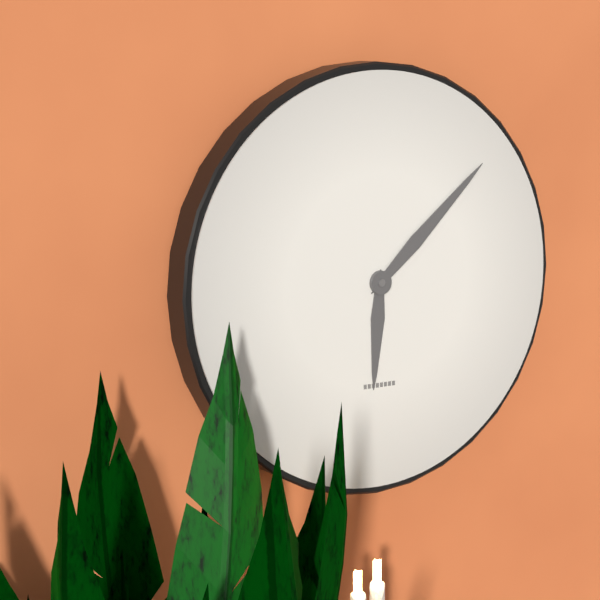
6:08
